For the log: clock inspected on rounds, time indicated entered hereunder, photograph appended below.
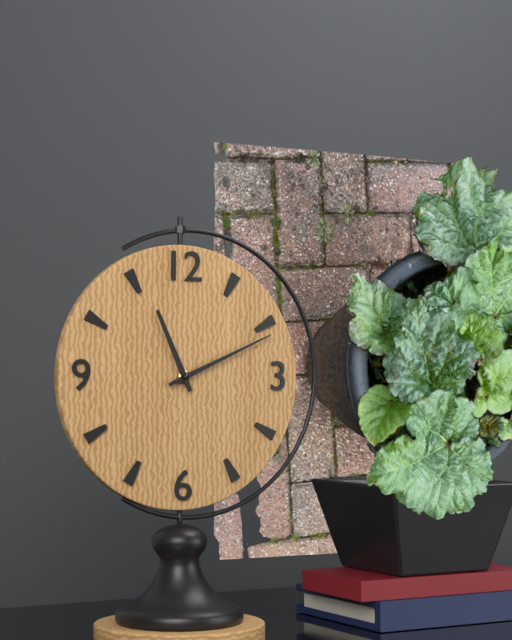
11:11
